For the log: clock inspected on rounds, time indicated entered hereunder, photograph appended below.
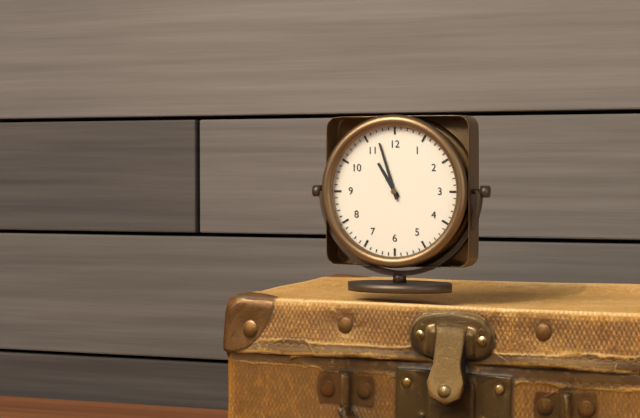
10:57
